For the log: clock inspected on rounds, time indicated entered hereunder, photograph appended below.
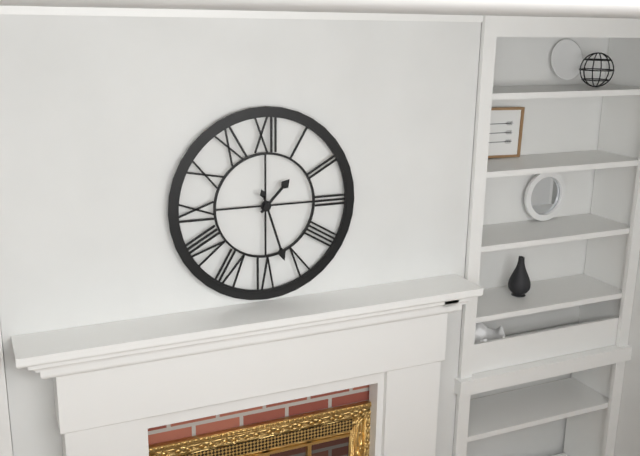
1:27
